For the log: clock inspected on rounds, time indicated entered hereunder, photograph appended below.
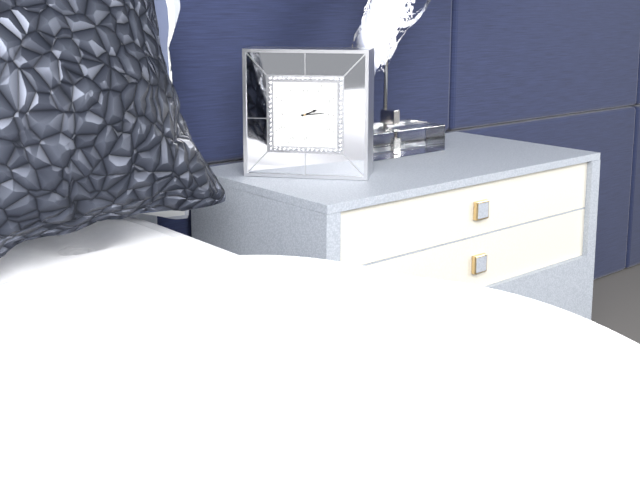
2:14
